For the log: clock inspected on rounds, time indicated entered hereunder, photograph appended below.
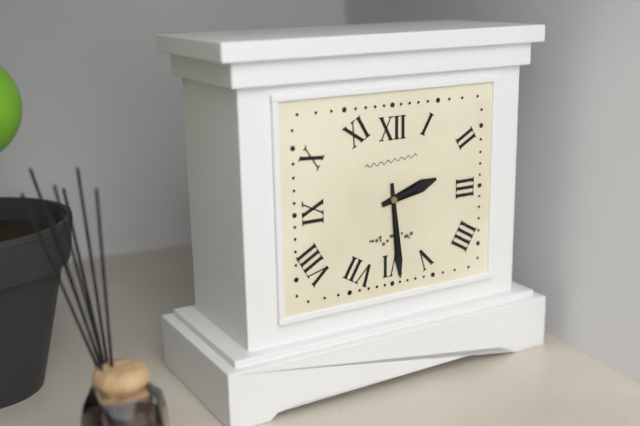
2:29
